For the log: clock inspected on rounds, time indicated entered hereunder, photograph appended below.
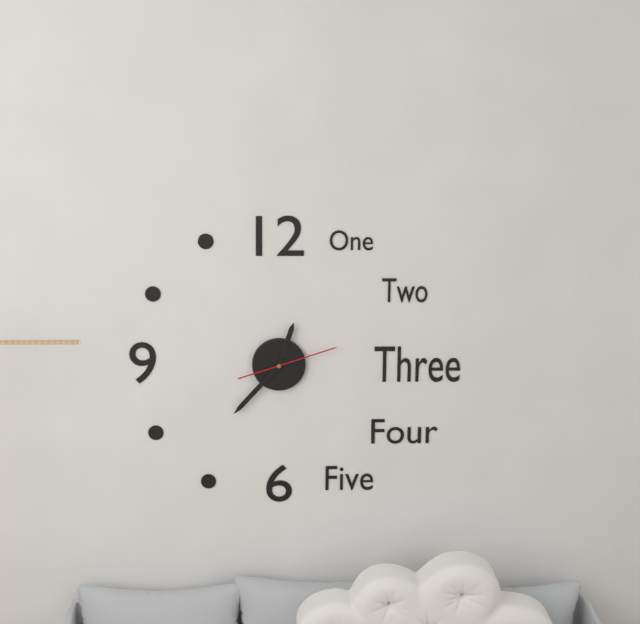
12:37:12
